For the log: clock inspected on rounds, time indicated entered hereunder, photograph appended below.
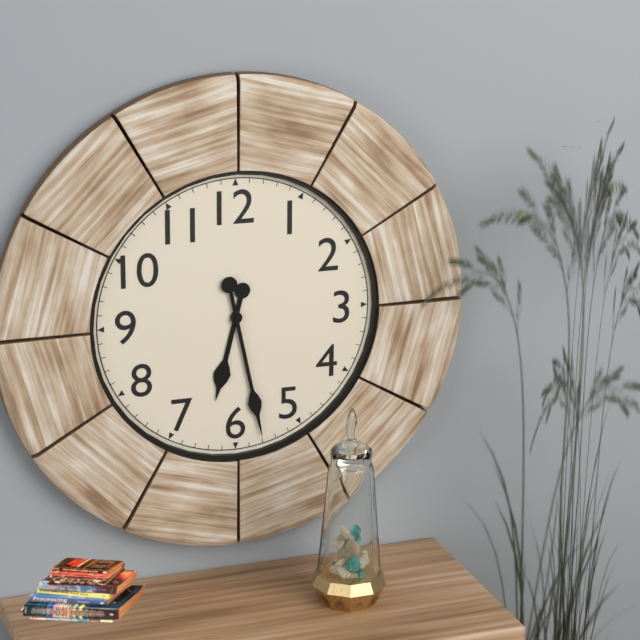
6:28
